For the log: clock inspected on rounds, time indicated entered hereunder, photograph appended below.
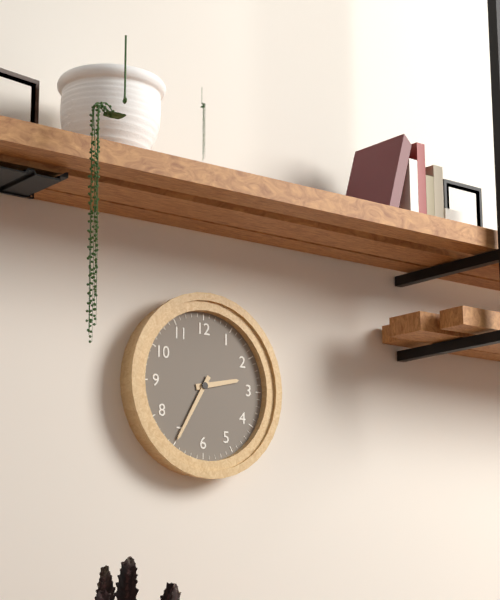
2:35
